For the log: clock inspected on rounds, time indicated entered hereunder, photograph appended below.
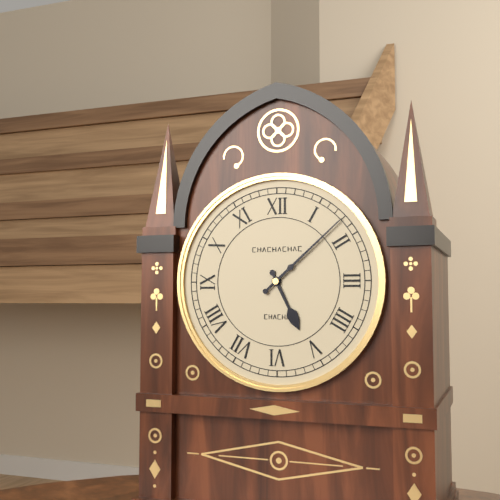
5:08
